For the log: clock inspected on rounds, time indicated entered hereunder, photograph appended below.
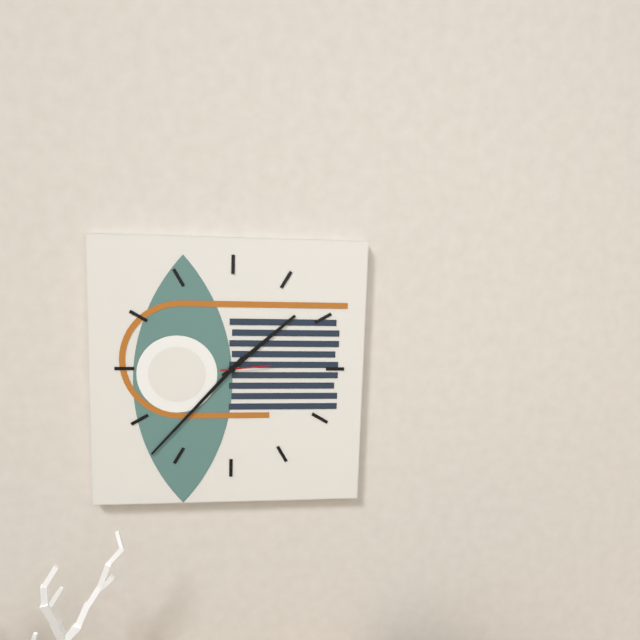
1:37
